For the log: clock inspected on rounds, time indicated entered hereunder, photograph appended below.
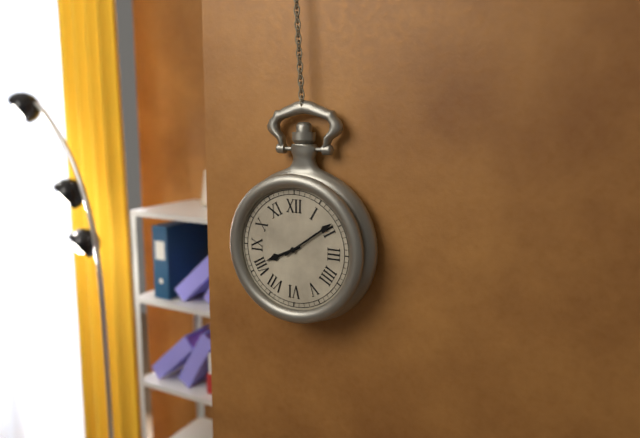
8:09
